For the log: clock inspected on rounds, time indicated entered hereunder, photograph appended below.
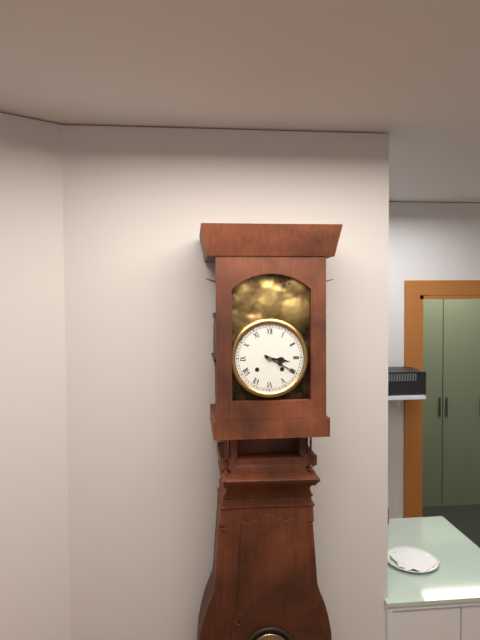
3:20
